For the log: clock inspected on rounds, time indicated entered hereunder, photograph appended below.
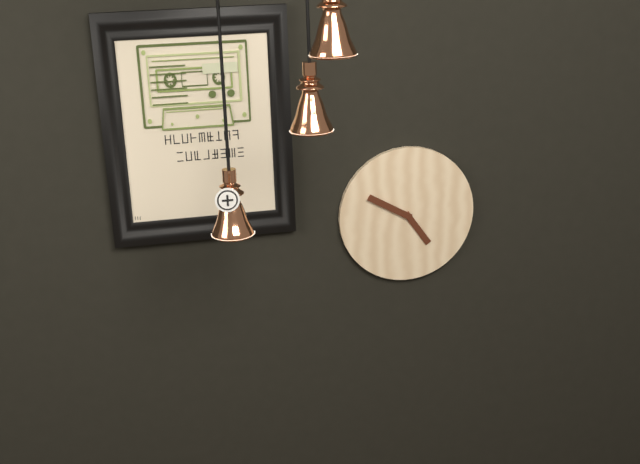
4:50
